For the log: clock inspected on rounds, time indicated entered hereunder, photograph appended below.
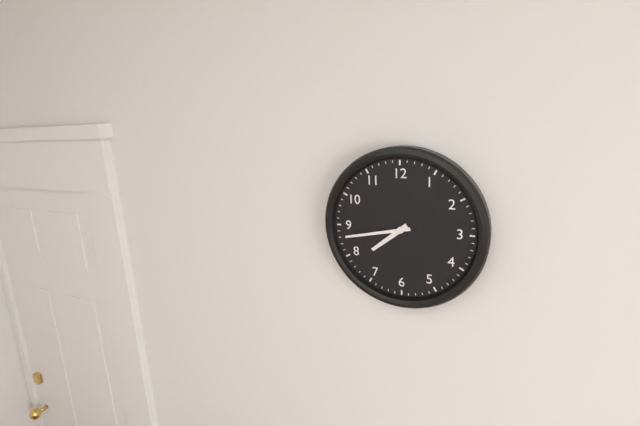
7:43
